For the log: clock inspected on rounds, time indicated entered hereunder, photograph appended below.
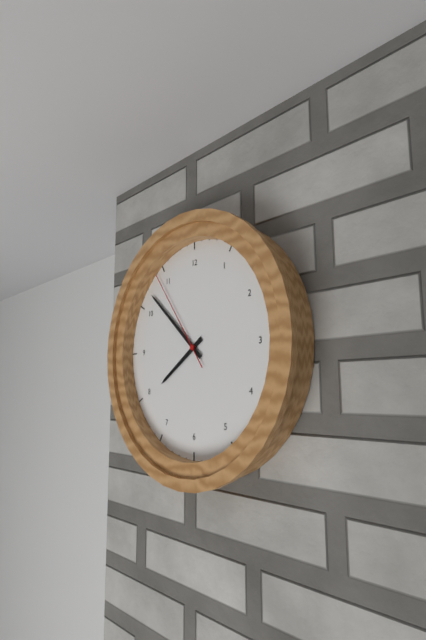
7:52:54
